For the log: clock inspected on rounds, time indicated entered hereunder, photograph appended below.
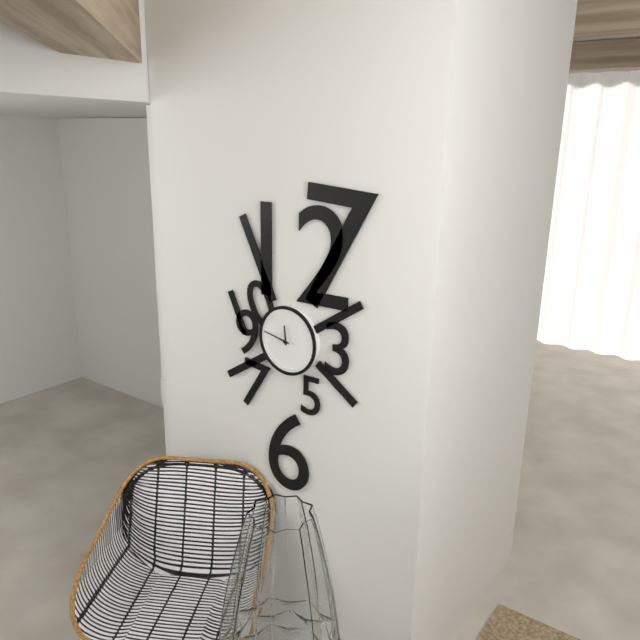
11:47
